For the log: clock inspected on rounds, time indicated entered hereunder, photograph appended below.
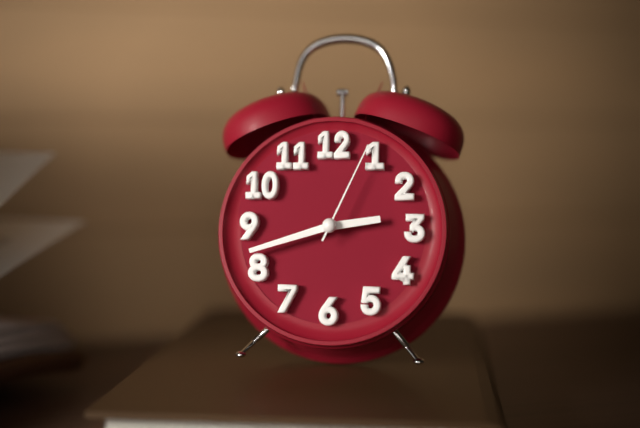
2:42:04
